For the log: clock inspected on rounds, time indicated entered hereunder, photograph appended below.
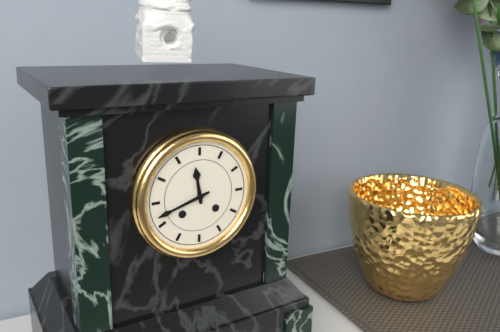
11:42
